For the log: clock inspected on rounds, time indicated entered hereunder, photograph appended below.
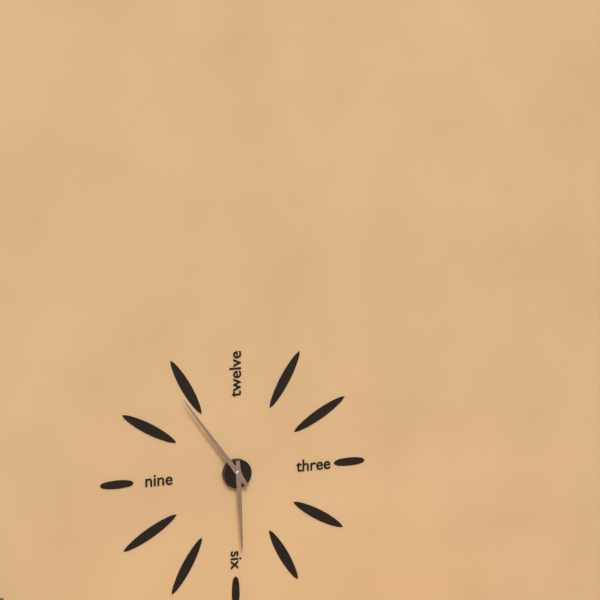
5:54
